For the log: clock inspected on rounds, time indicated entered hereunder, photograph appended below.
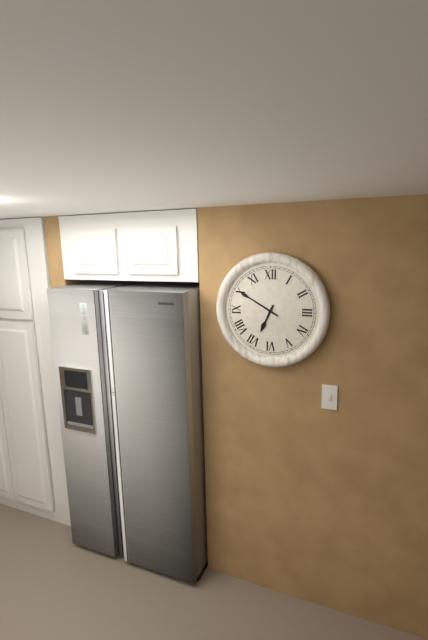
6:50
